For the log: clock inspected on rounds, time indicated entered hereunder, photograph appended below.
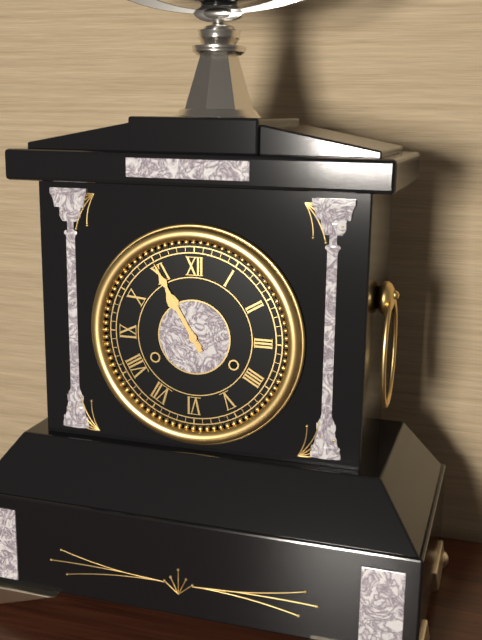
10:55
